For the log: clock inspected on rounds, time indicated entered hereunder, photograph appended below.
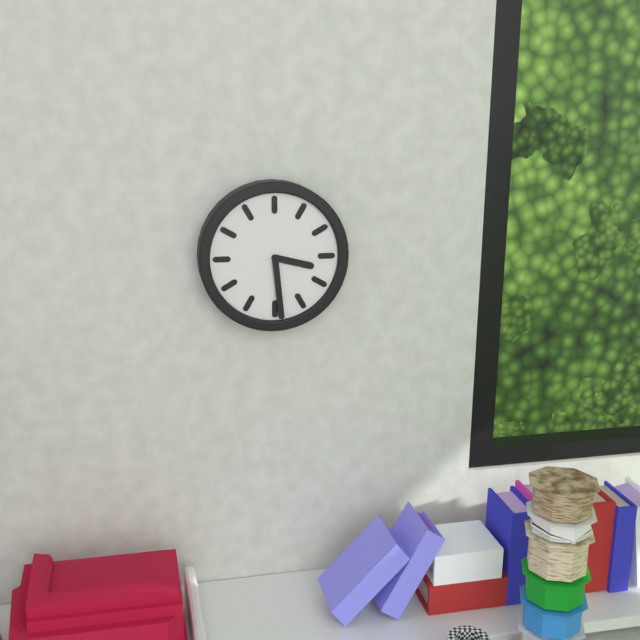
3:29
